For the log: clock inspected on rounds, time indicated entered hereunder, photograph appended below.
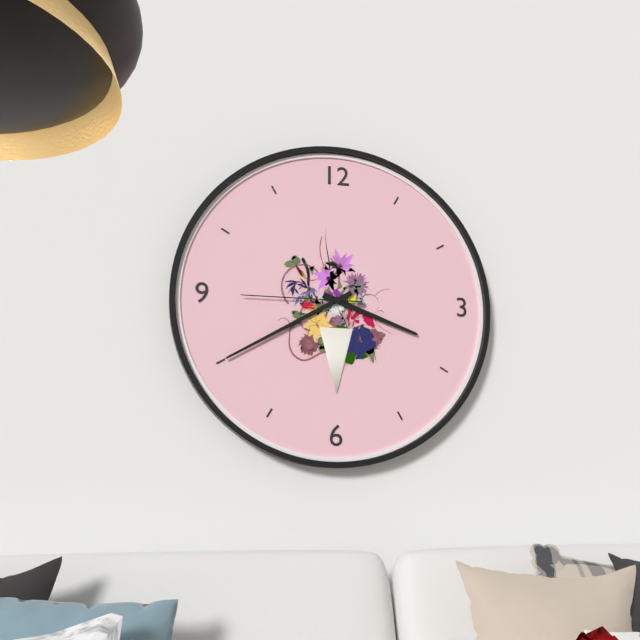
3:40:45
